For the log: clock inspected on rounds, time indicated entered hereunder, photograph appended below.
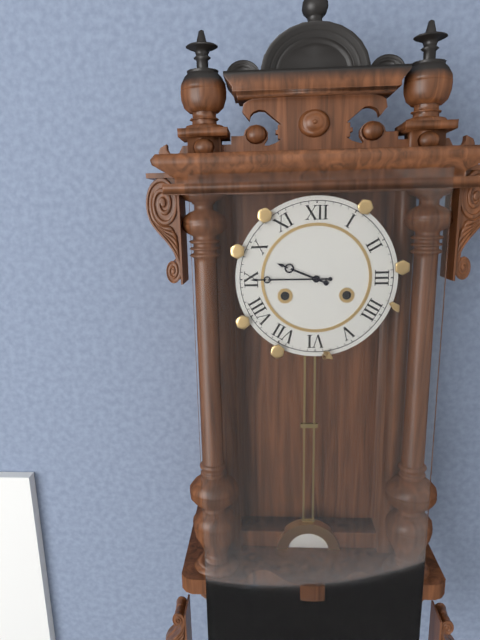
9:45
